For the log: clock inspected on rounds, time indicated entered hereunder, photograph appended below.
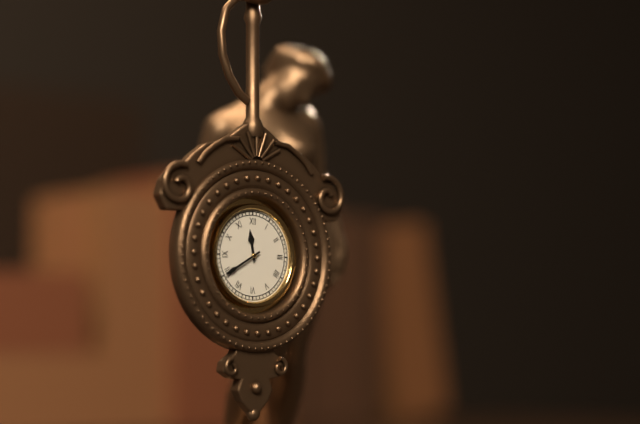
11:40
